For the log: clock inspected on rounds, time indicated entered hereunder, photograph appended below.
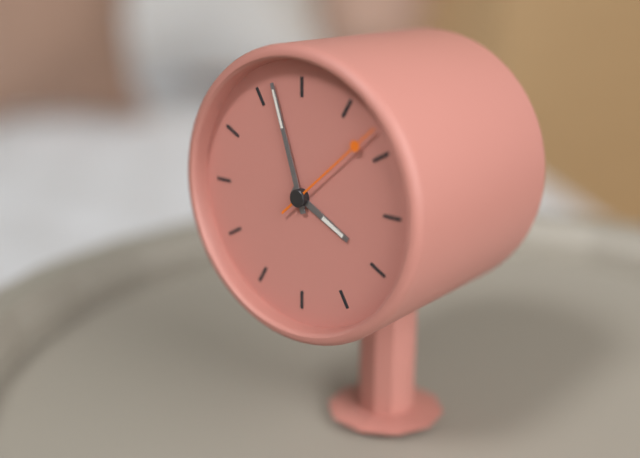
3:57:08
